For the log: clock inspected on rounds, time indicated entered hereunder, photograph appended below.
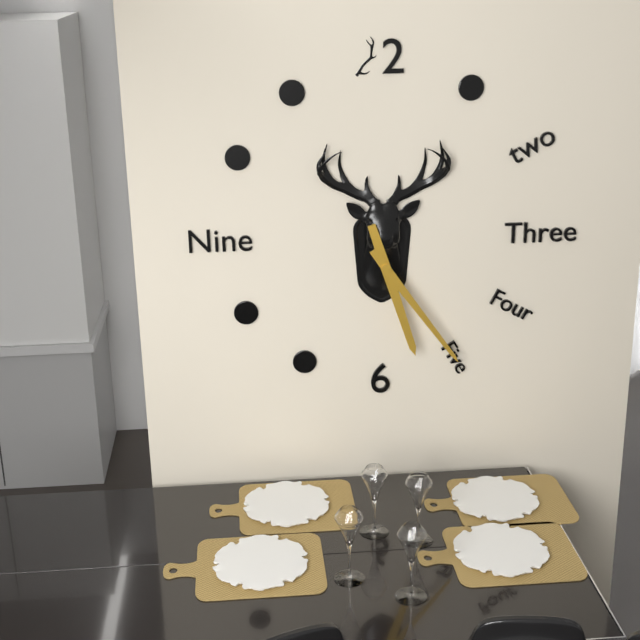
5:24
